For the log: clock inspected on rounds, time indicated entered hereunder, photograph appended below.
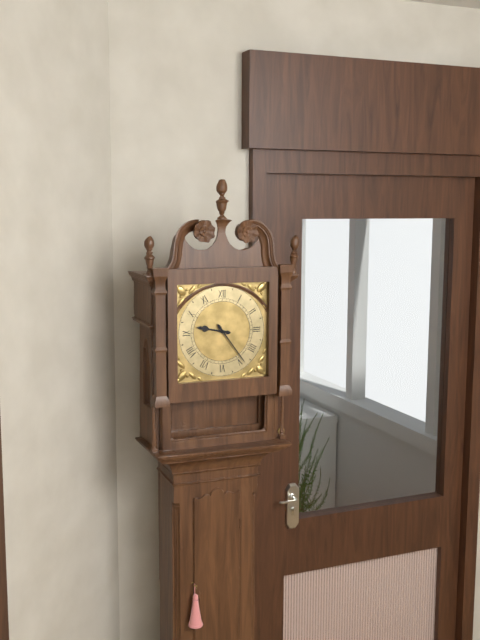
9:24
